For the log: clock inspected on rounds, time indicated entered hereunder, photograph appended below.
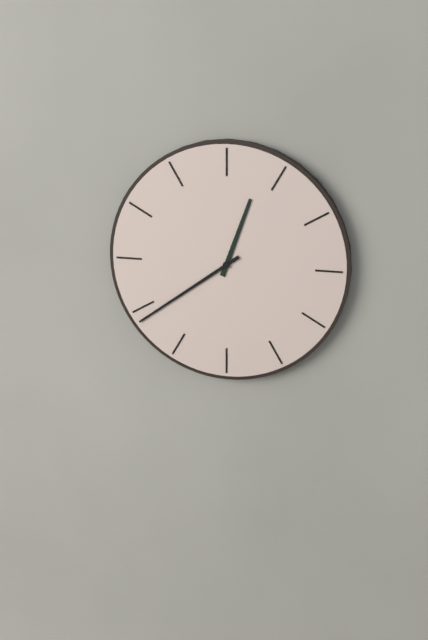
12:39
